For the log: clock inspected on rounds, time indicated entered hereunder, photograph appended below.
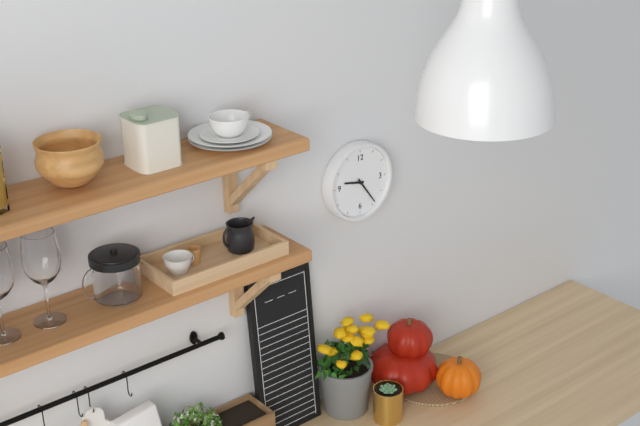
9:24
